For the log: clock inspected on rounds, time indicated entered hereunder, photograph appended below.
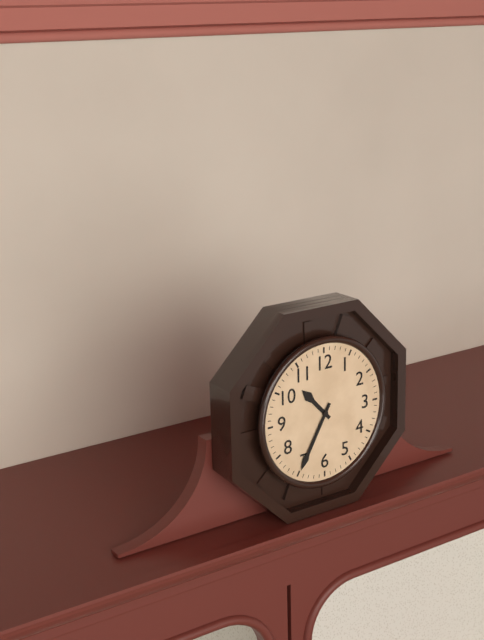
10:35
